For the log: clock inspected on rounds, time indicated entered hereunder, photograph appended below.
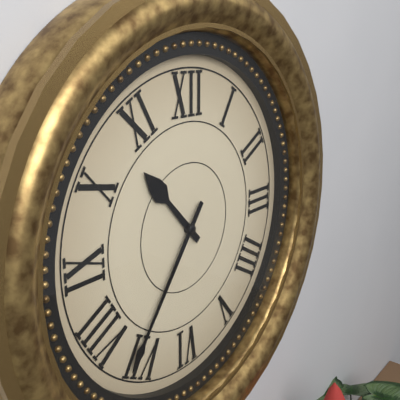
10:36
